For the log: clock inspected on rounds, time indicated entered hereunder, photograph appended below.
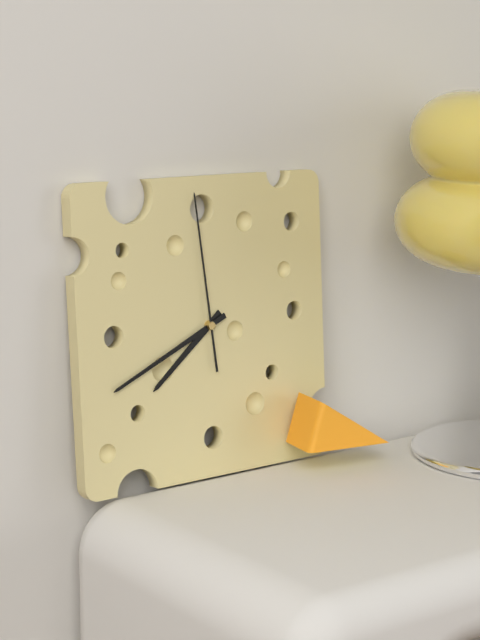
7:41:59
